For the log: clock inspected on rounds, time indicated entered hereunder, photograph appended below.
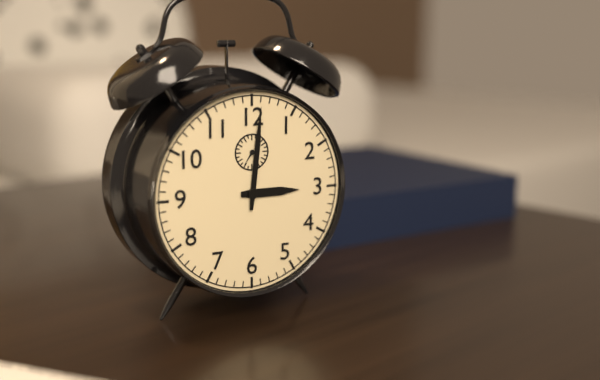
3:01
